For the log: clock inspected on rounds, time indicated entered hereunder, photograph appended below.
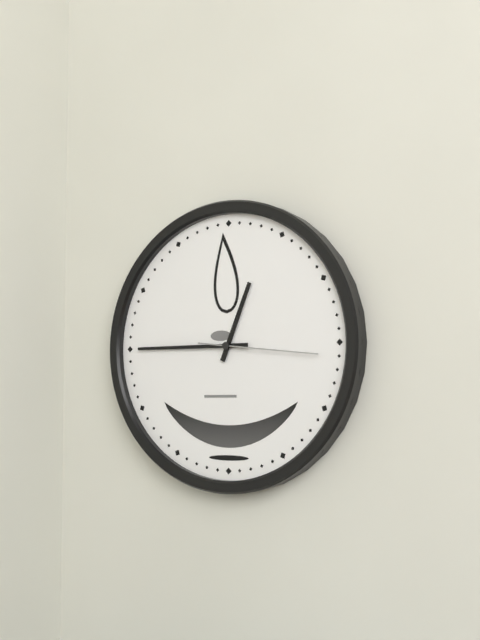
12:45:16
